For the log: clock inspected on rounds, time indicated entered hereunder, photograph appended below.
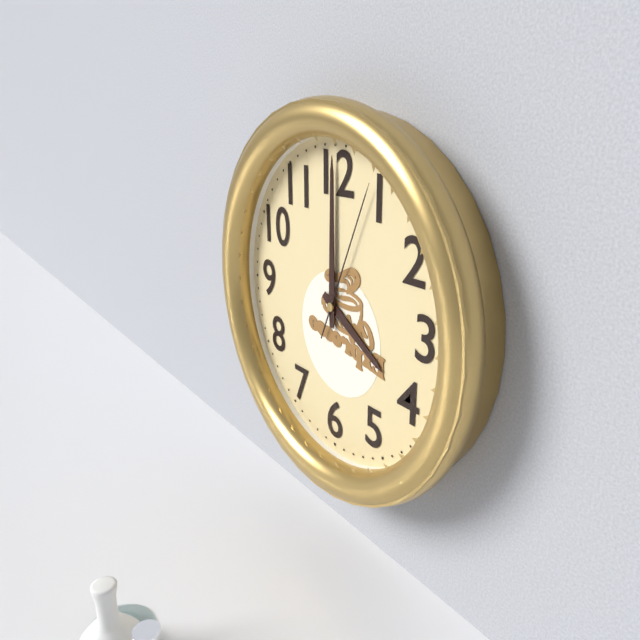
4:00:04
